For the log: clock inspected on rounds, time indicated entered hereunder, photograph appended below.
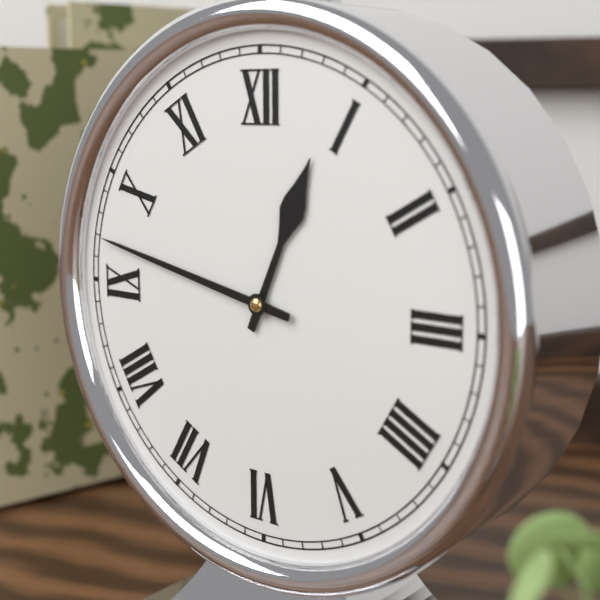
12:47
